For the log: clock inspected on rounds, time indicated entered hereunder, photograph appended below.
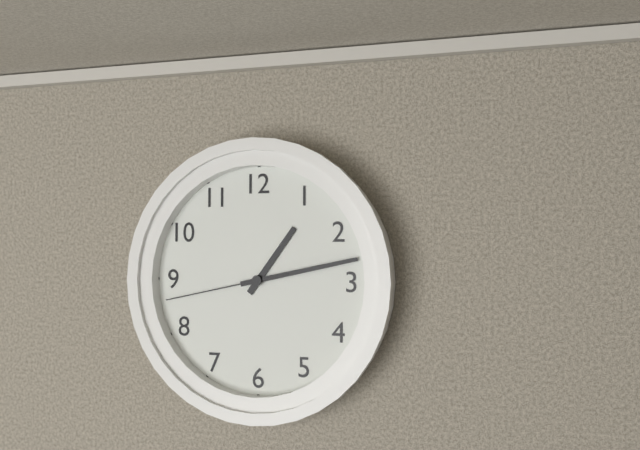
1:13:43
